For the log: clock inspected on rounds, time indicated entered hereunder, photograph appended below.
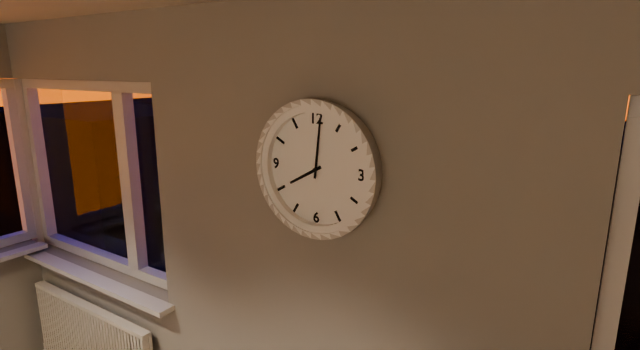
8:01
